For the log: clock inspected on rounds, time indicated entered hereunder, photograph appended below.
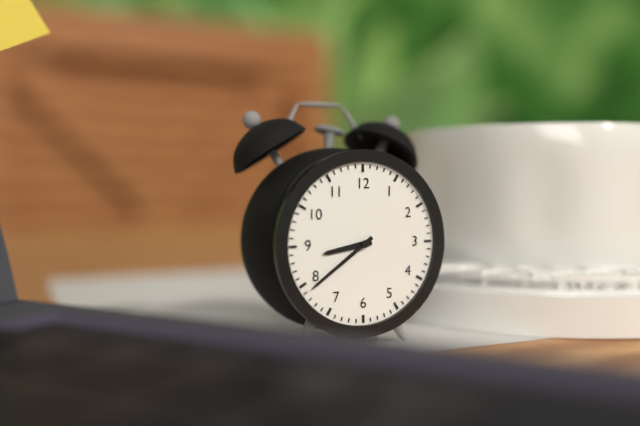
8:39
